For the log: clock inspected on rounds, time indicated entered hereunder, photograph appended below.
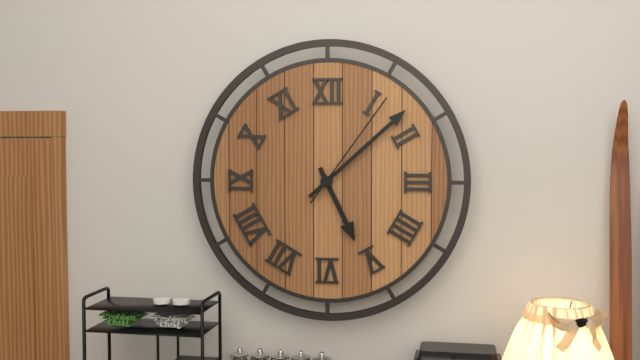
5:08:06
